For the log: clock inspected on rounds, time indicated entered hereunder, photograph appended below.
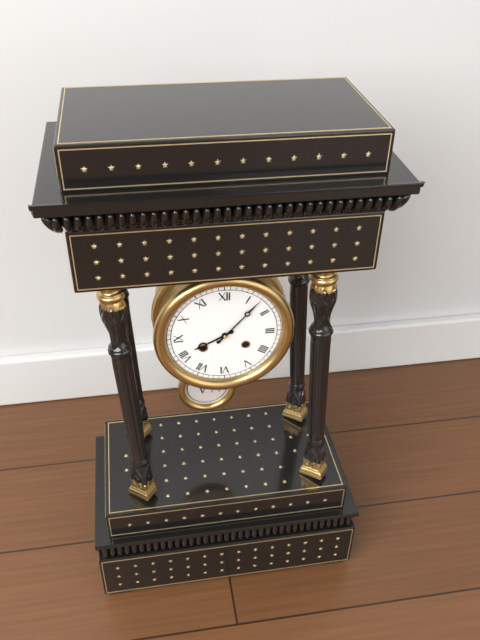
8:07
